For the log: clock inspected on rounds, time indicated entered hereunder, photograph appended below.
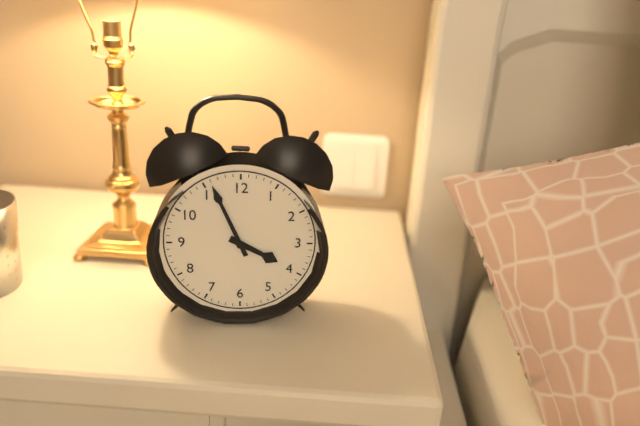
3:56
